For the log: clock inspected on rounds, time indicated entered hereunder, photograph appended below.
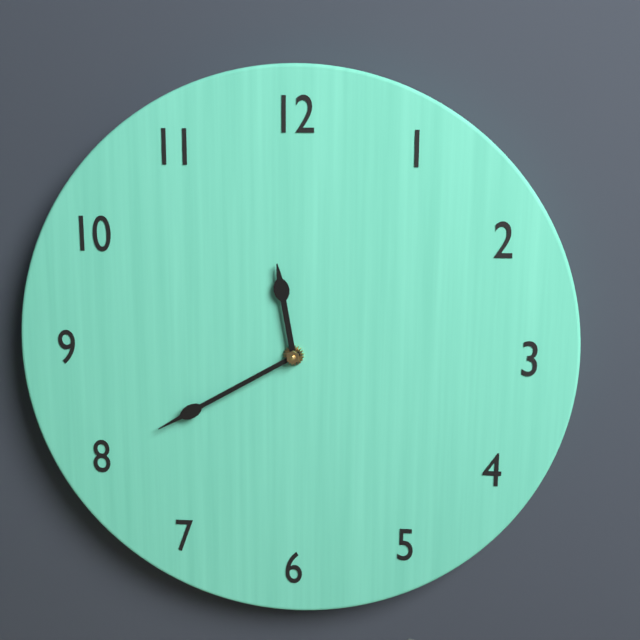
11:40
